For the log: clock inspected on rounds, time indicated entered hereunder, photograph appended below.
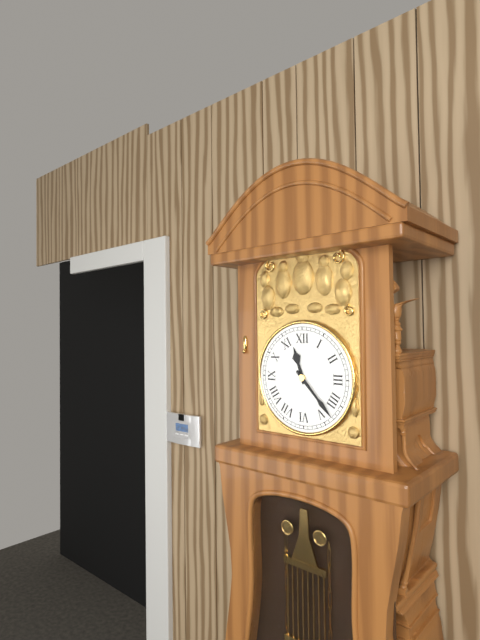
11:23
